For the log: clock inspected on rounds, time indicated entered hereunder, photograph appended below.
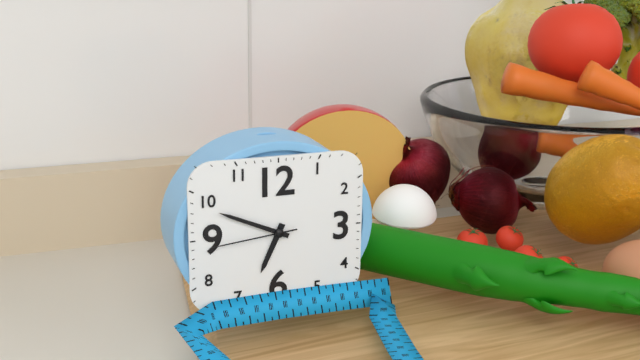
6:49:44
